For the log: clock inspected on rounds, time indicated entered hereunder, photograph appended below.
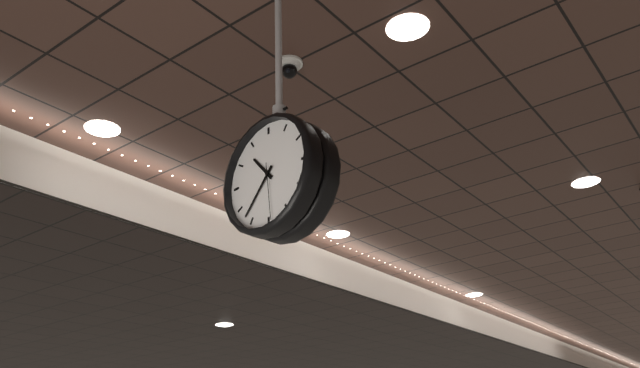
10:37:29
